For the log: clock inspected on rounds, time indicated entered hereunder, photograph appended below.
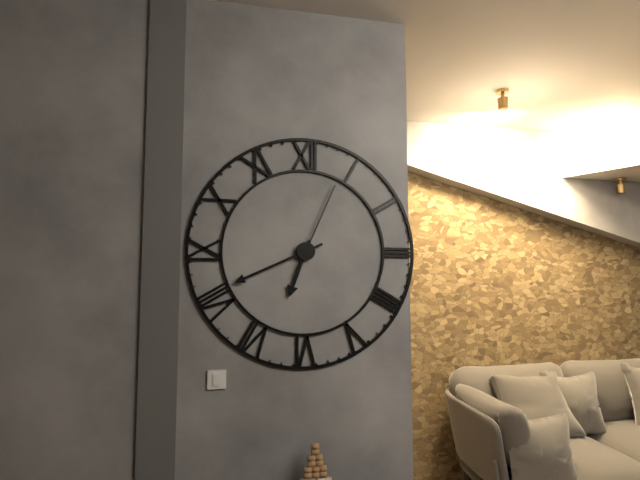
6:41:04
